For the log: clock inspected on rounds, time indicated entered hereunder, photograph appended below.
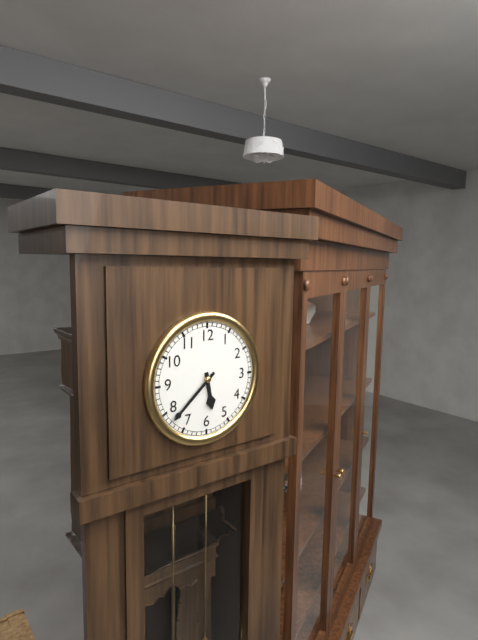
5:38
